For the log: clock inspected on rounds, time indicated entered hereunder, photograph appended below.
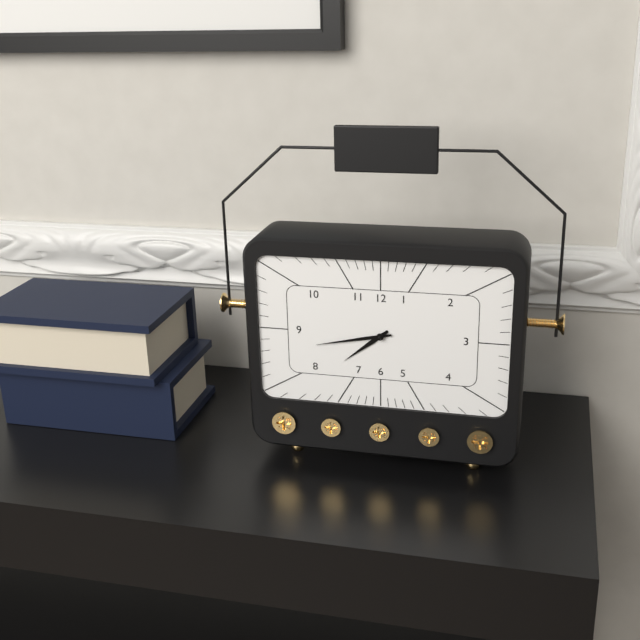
7:43
